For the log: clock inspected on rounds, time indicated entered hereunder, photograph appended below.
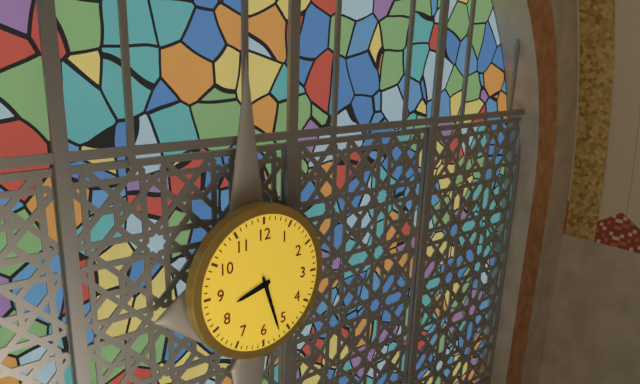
8:27
